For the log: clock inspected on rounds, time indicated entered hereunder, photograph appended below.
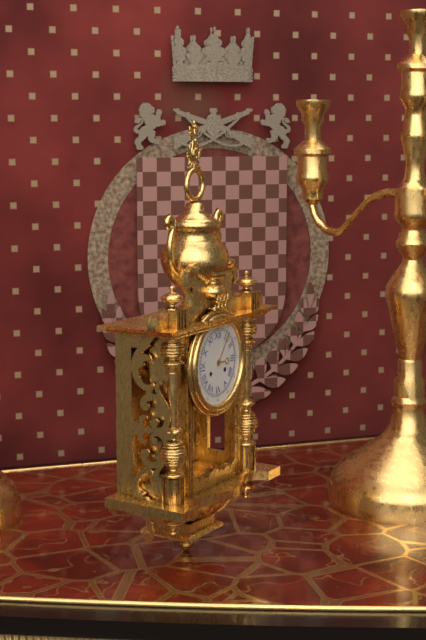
3:06
